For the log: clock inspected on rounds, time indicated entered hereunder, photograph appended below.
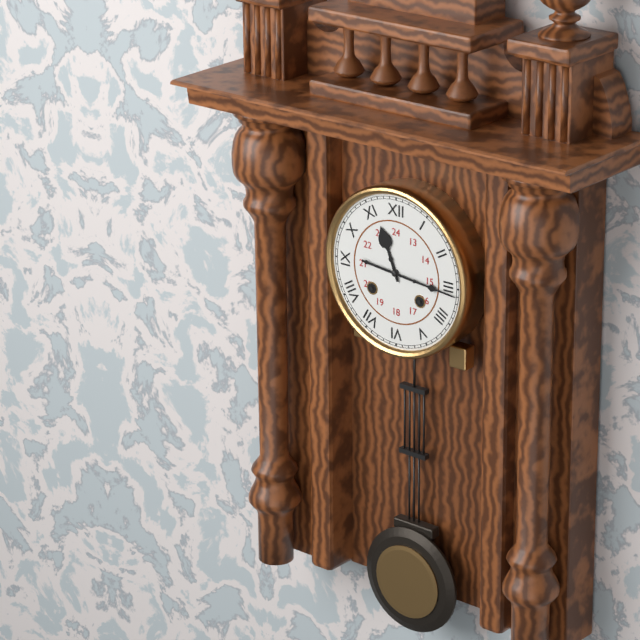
11:16
